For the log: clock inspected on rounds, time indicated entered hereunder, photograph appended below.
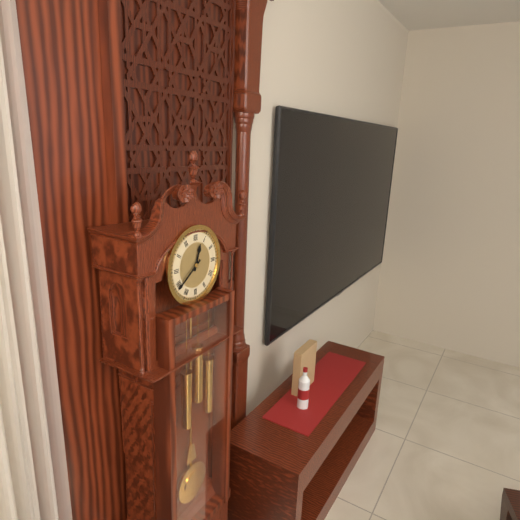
12:39
